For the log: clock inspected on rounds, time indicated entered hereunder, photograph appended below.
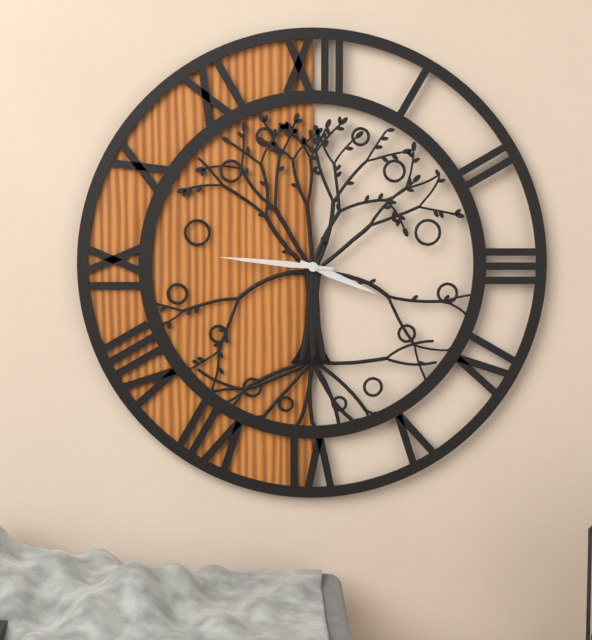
3:46
